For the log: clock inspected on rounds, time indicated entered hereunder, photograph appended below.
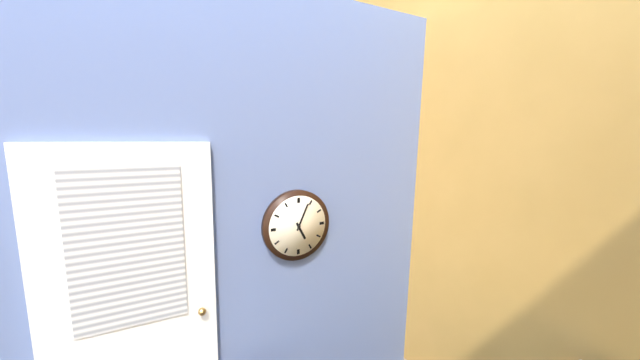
5:04
